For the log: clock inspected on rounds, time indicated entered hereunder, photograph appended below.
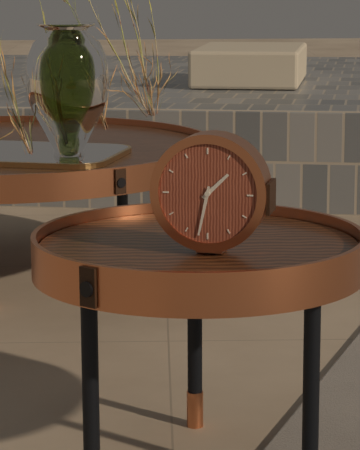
1:32
